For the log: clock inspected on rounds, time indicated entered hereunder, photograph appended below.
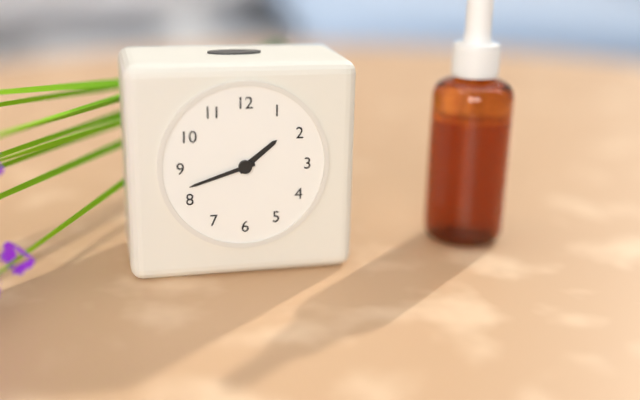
1:42
